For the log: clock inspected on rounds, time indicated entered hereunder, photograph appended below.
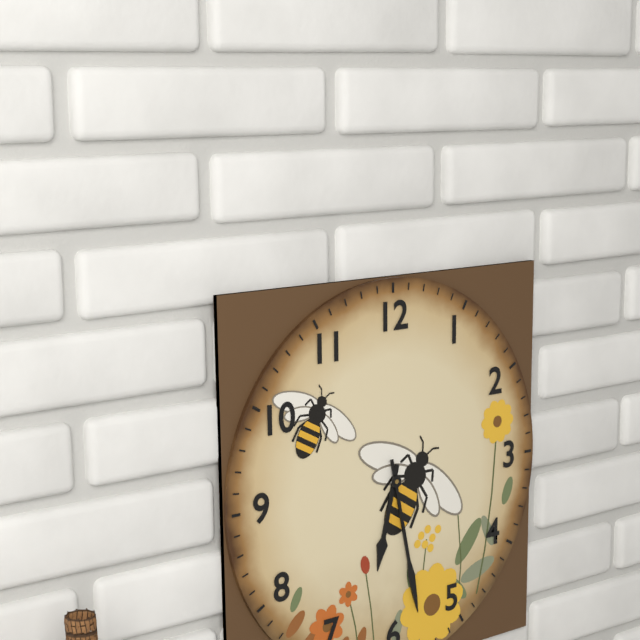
6:28
